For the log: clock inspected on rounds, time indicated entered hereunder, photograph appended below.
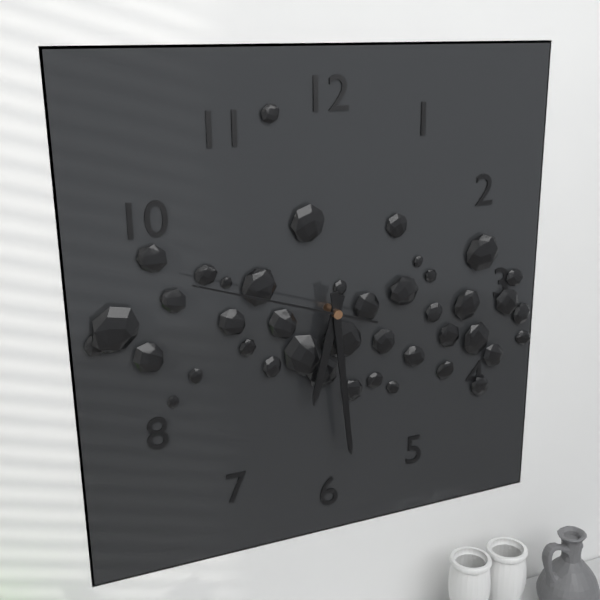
6:29:48
